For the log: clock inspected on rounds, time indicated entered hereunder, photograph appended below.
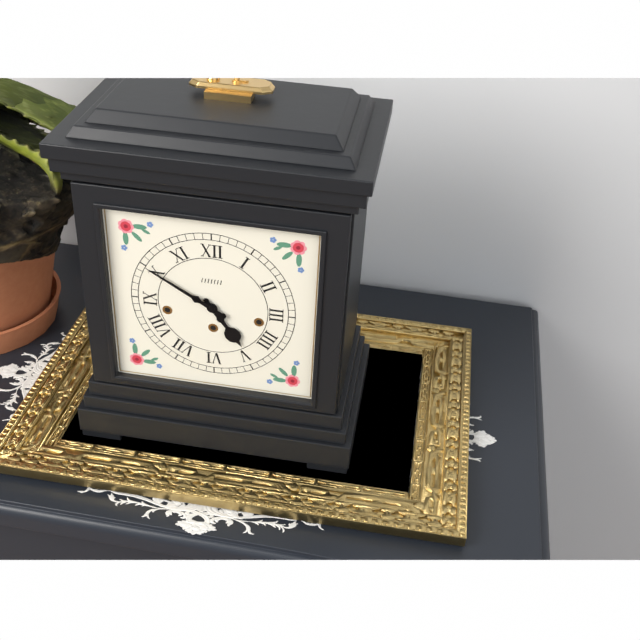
4:50
